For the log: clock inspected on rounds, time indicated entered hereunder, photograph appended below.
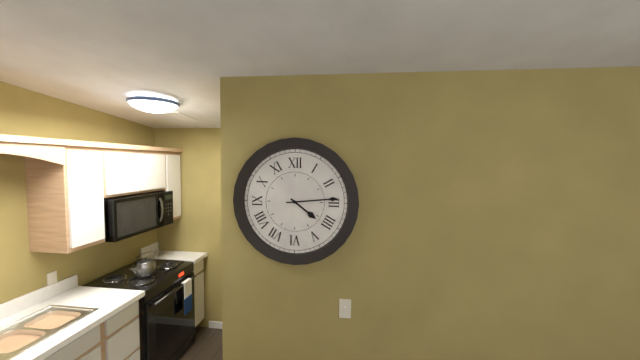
4:14
